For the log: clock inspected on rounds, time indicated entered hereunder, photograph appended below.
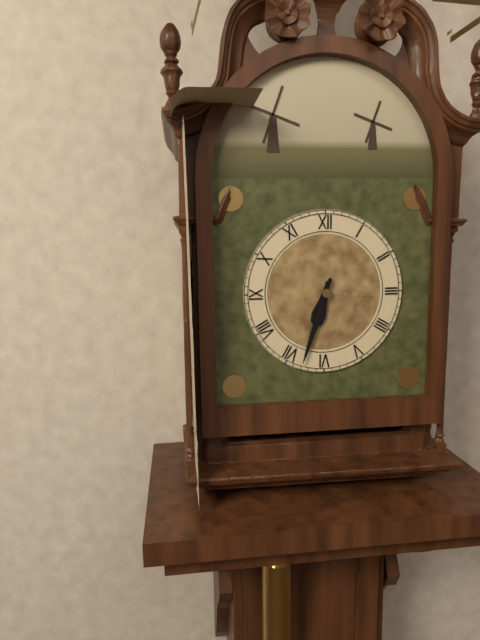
6:33
